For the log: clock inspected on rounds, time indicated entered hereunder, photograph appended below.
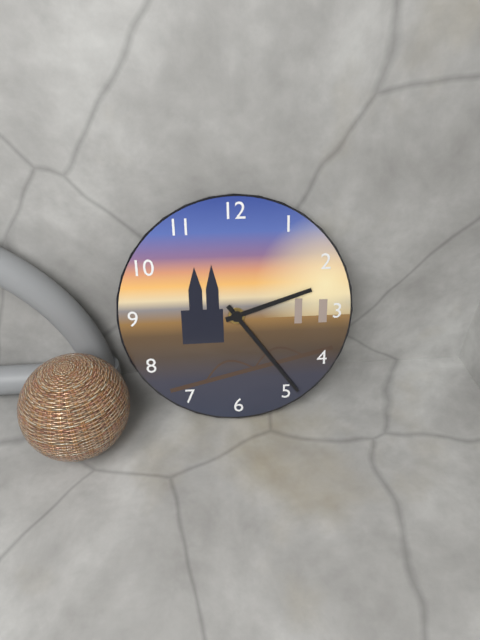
2:24
